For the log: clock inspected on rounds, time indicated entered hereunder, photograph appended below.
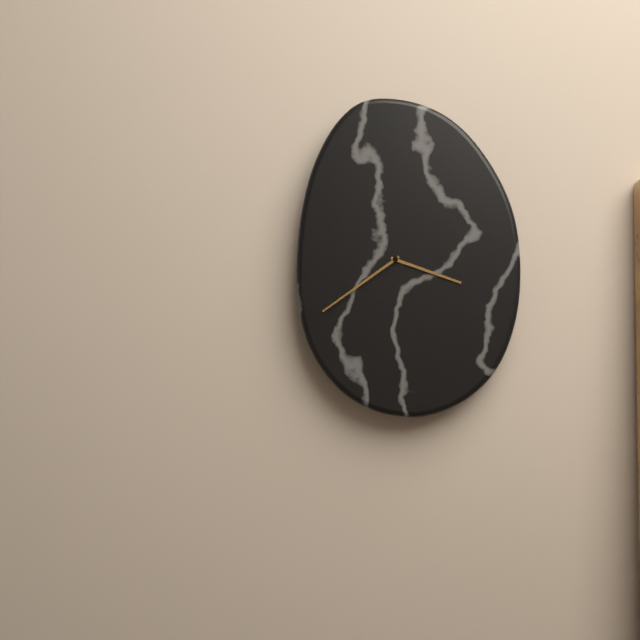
3:39
